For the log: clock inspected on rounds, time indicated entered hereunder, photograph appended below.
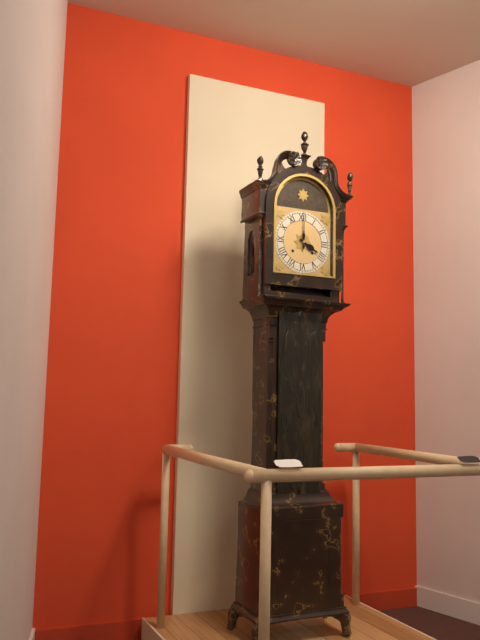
4:00
